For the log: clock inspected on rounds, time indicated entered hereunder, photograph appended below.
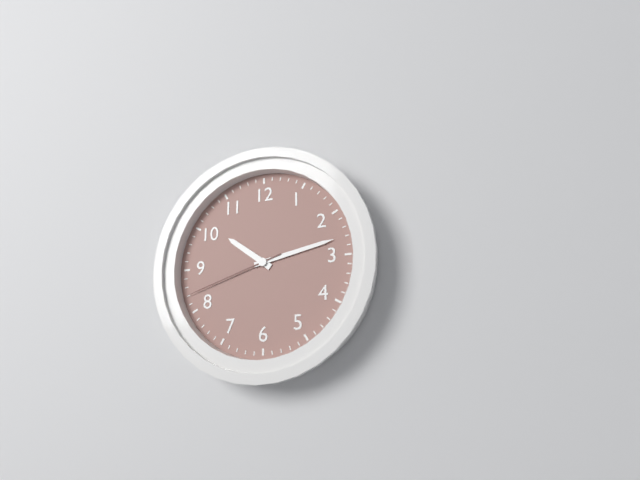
10:13:42
